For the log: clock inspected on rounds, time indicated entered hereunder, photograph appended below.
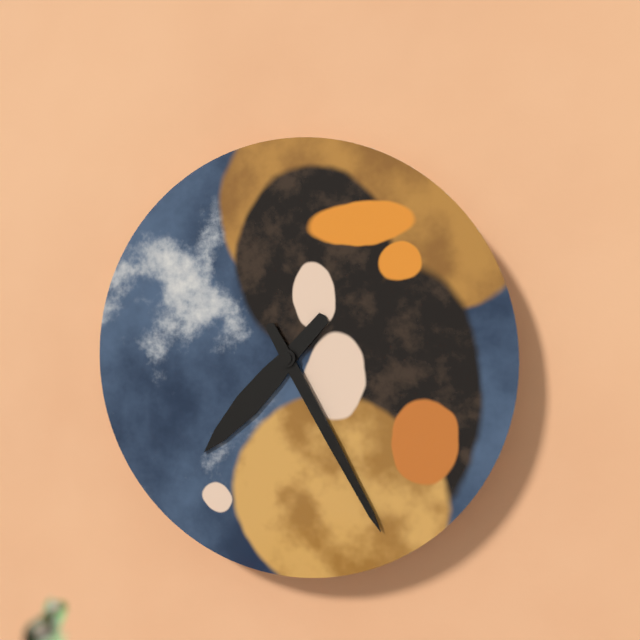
7:25
